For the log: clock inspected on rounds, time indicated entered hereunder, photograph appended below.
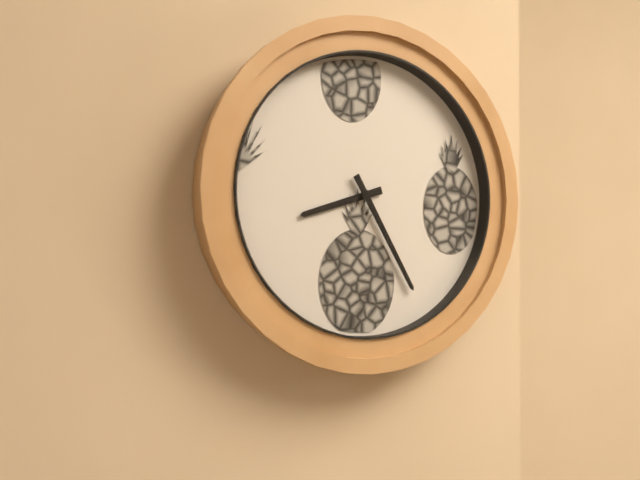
8:25
